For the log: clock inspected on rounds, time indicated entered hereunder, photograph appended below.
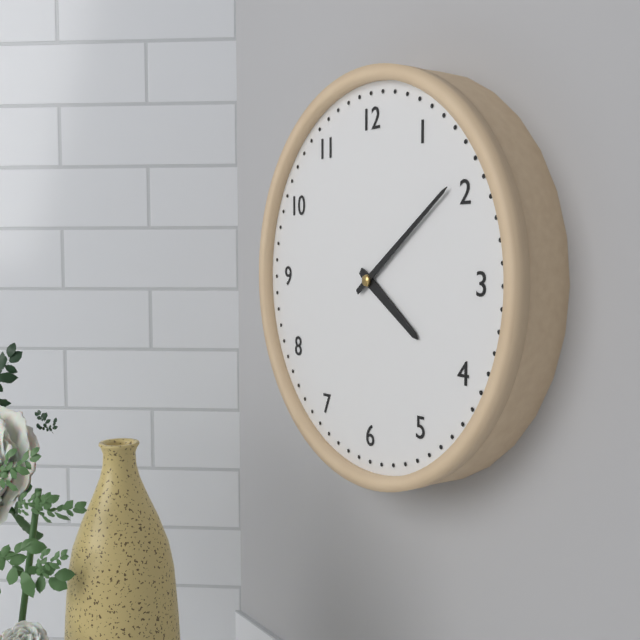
4:09
